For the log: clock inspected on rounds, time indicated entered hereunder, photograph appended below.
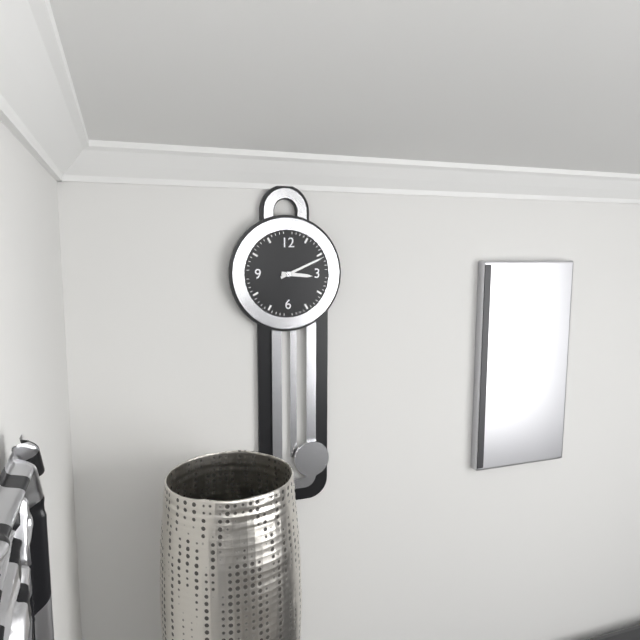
3:11
